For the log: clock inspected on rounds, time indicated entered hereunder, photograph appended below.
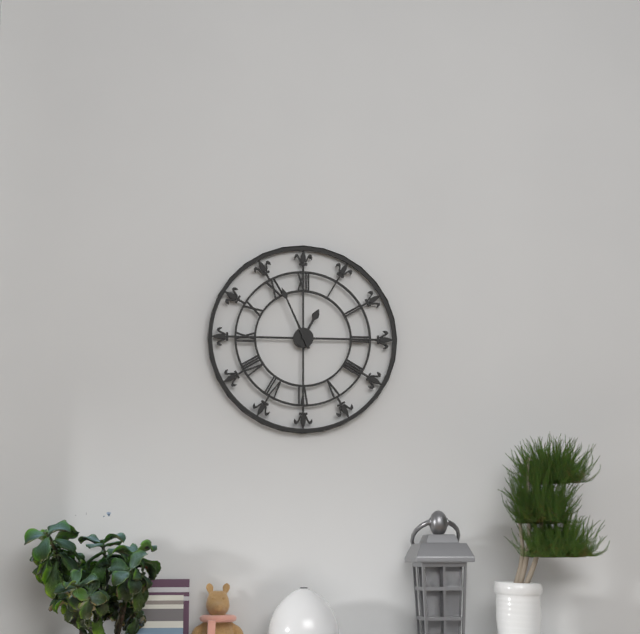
12:56
